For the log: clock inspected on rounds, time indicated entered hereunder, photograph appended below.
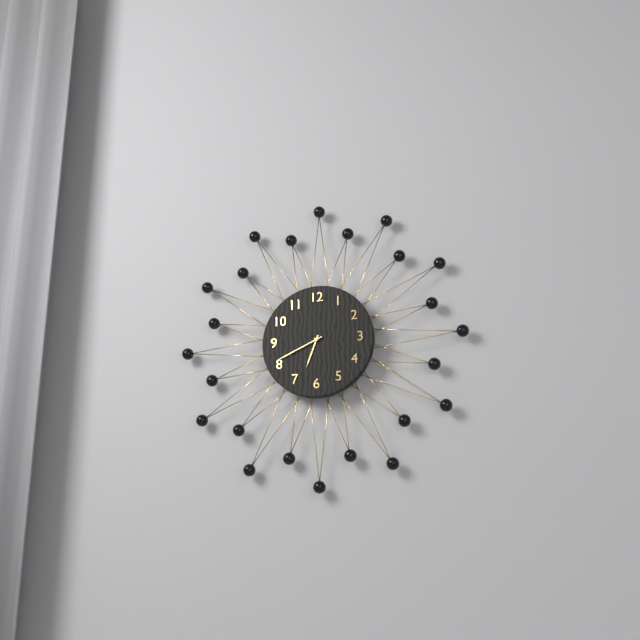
6:41
